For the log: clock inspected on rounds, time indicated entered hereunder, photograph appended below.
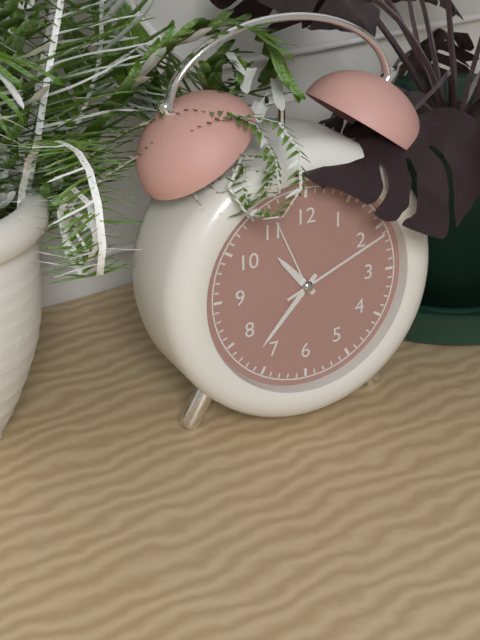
10:37:11
